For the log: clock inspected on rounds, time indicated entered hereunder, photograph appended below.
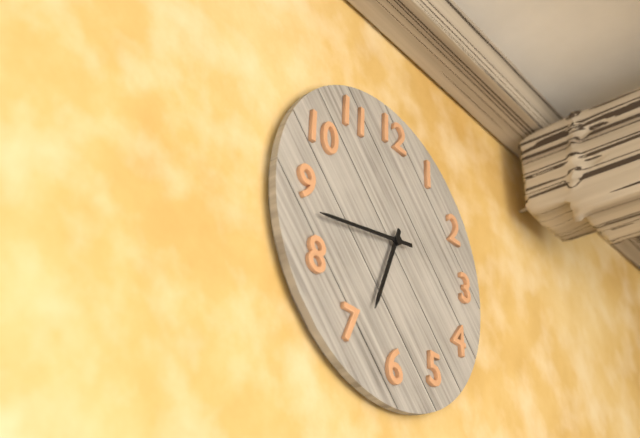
6:43
